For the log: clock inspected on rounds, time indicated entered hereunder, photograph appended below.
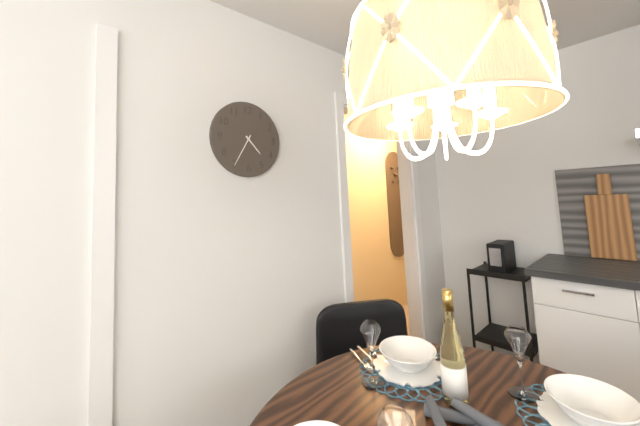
4:35
